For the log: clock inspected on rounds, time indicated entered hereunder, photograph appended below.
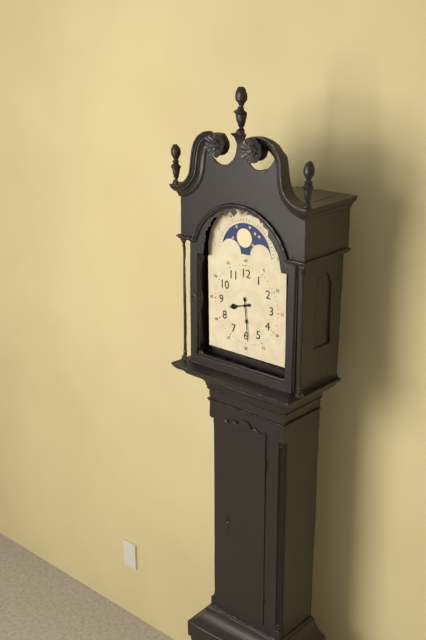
8:29
